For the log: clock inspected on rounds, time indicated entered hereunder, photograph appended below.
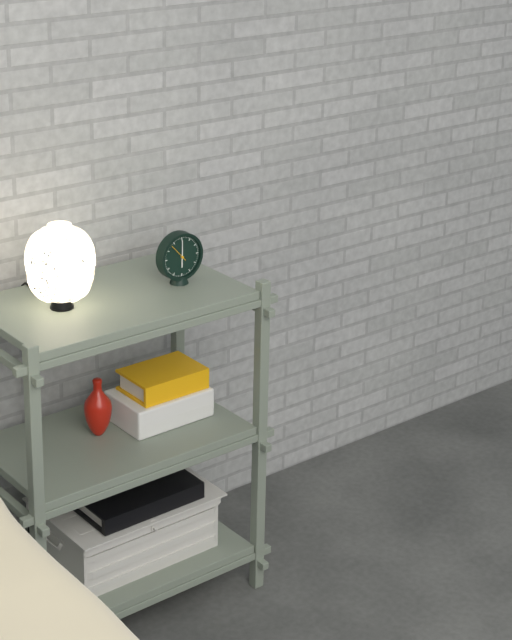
6:00
